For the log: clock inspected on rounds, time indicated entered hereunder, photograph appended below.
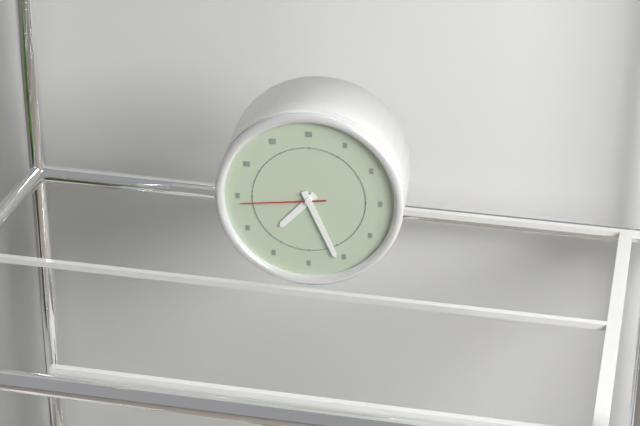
7:26:44
